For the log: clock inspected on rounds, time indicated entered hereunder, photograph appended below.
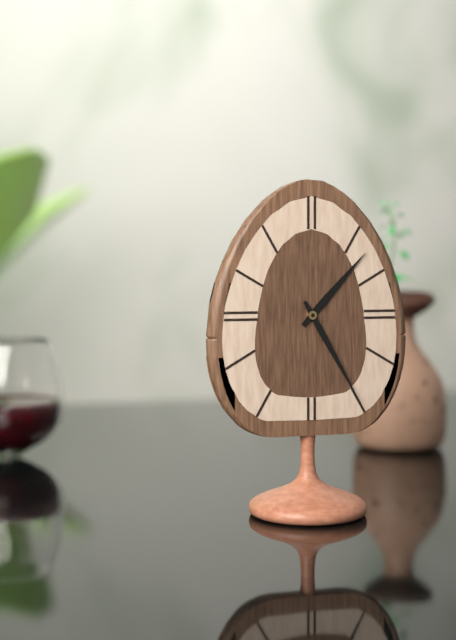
1:25
